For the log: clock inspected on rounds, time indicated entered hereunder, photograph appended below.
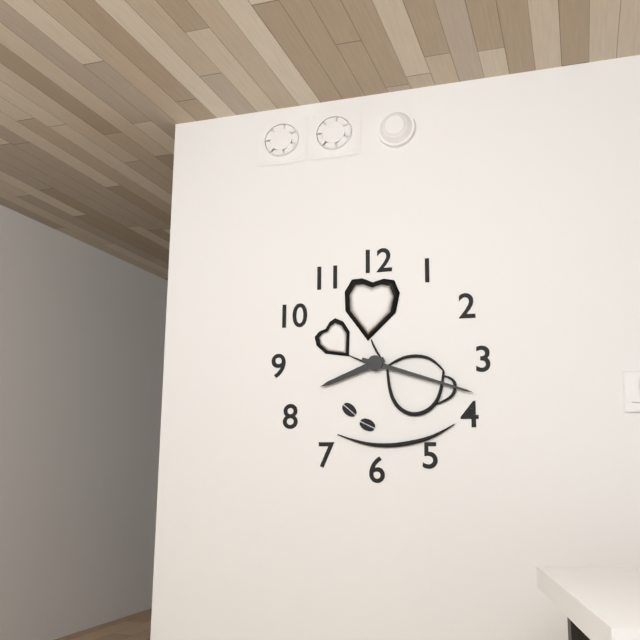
8:18
